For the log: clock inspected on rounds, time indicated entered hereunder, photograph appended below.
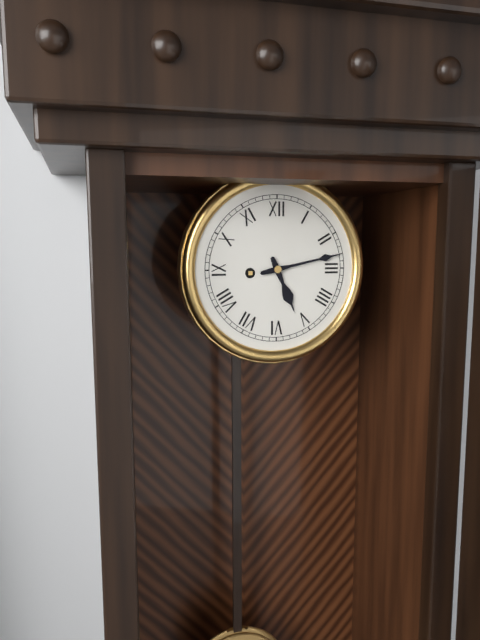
5:13
